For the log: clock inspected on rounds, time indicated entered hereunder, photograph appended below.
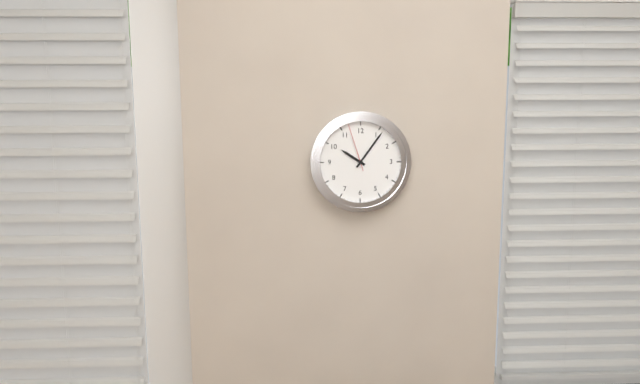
10:06
